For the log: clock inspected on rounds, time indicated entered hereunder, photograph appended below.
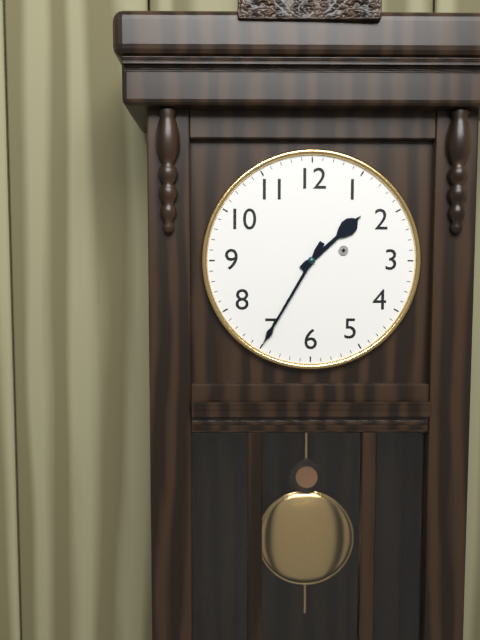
1:35
